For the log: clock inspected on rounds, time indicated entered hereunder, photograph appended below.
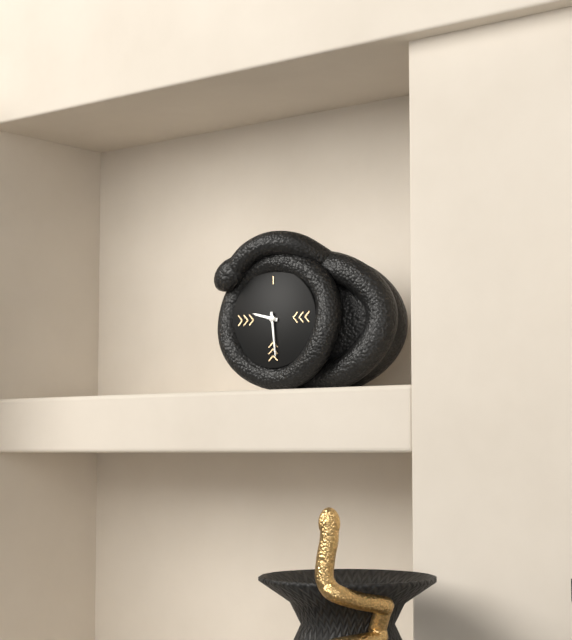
9:29
